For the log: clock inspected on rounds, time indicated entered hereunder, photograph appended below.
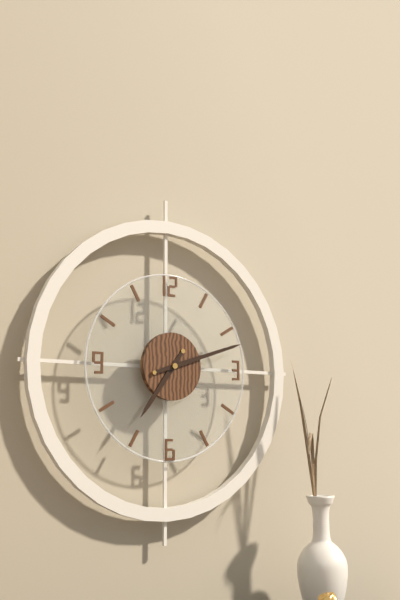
7:12
